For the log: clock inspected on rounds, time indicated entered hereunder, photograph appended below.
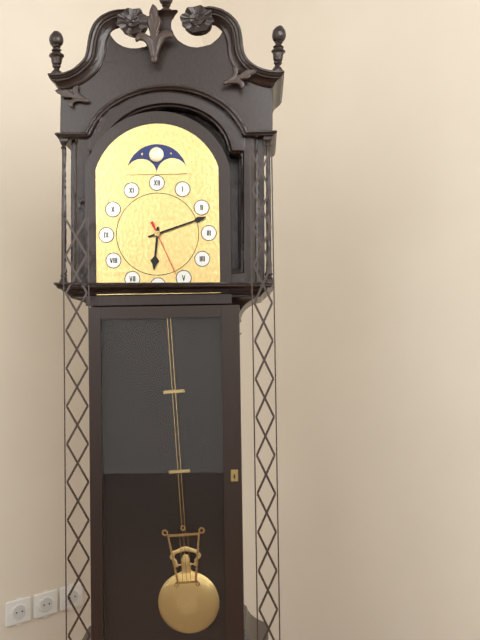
6:12:26
